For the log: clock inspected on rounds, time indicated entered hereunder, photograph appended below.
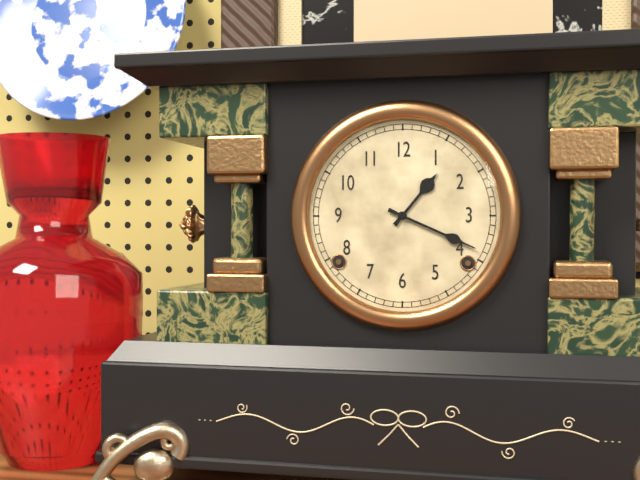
1:19
